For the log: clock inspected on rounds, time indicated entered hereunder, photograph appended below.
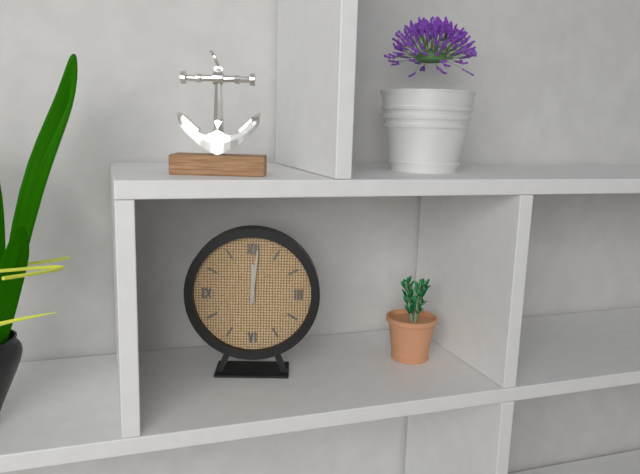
12:01
